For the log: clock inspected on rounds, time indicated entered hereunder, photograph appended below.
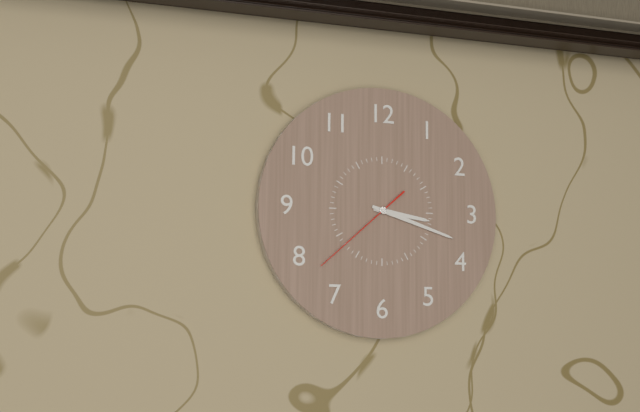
3:18:38
